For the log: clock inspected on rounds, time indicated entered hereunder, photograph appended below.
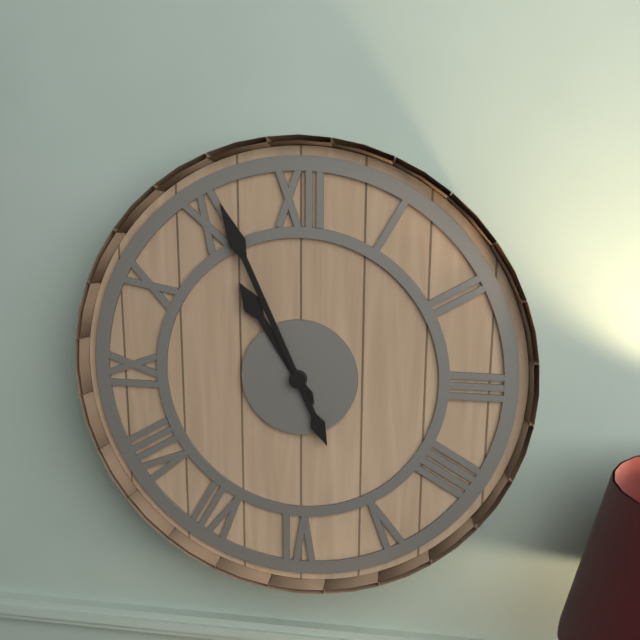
10:56
